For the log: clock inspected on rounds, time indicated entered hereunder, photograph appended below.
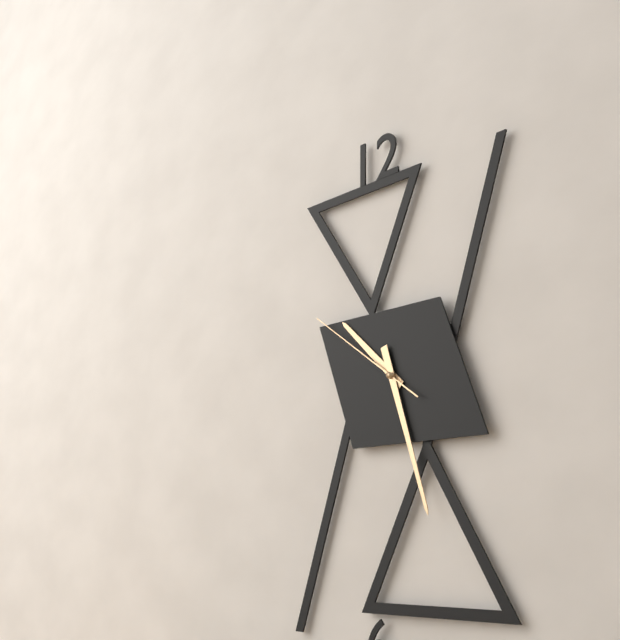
10:27:51
